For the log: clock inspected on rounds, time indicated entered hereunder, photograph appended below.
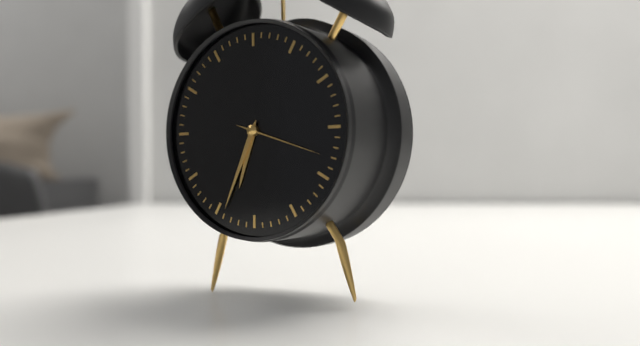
6:34:18
